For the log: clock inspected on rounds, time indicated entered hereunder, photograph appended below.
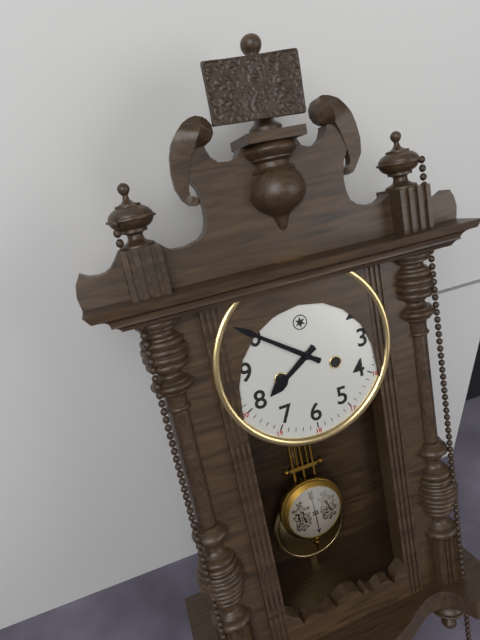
7:51
